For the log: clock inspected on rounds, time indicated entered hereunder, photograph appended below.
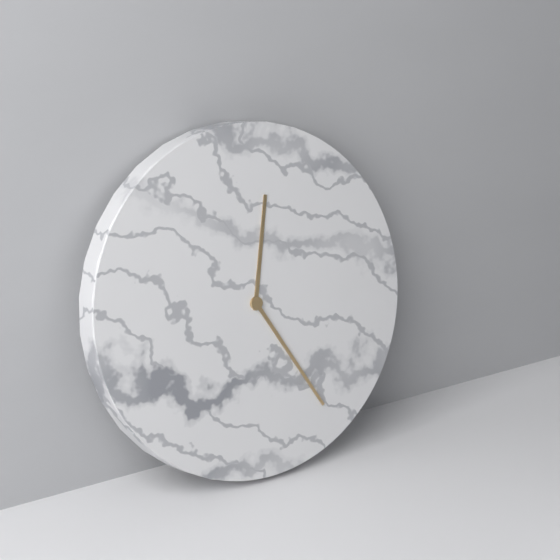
12:25
